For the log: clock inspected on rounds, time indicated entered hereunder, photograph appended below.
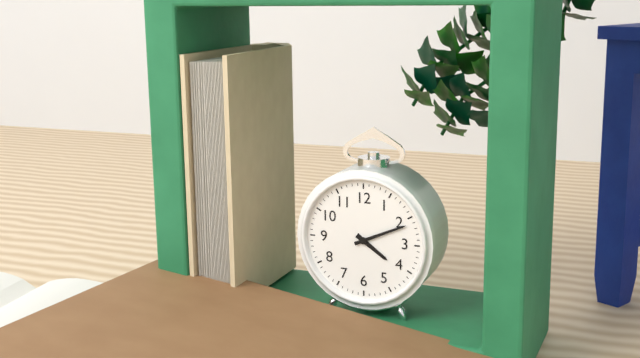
4:11
